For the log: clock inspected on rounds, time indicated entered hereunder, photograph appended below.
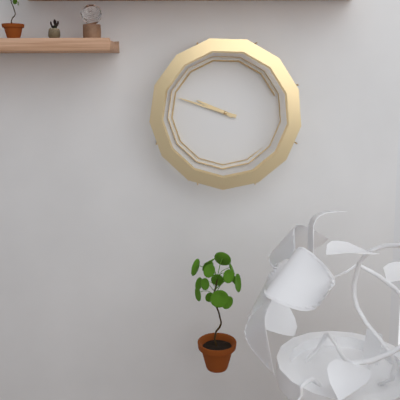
9:48
